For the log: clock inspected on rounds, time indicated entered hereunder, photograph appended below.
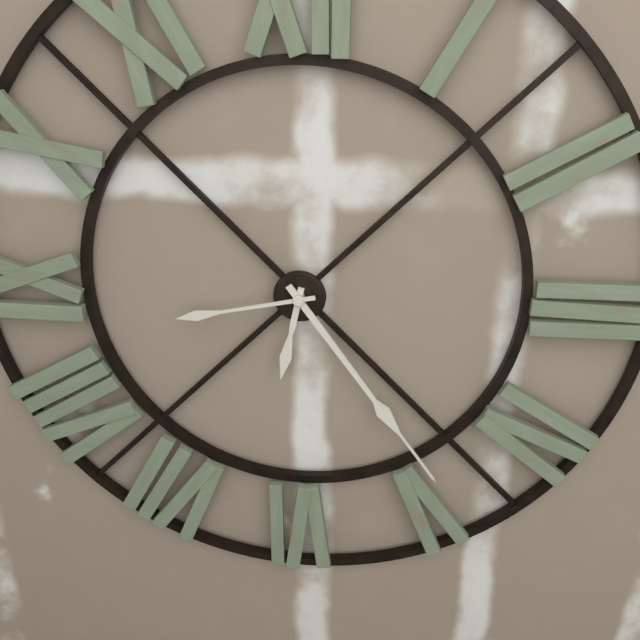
6:24:43
